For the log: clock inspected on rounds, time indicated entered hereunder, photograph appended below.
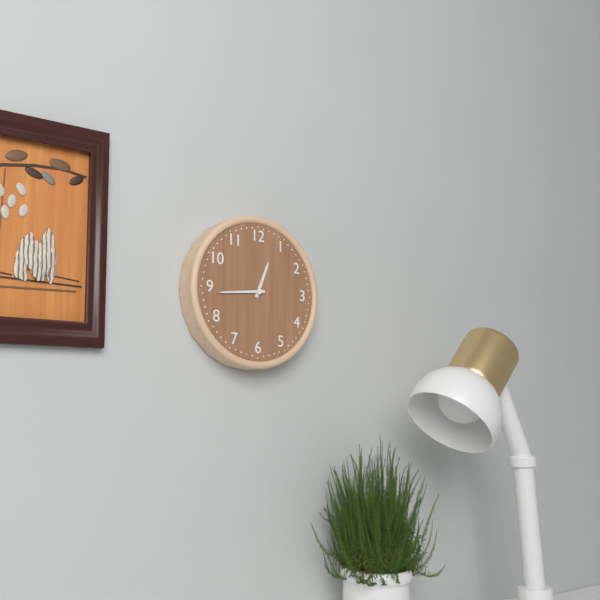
12:44
